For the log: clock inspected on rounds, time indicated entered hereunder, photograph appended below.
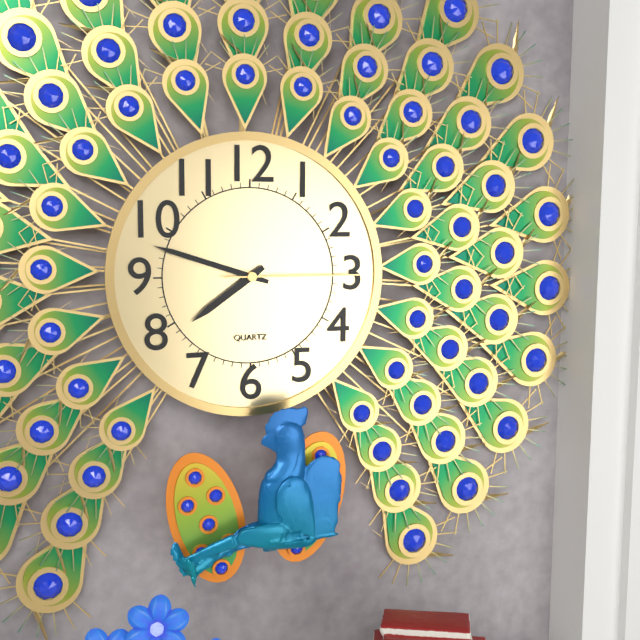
7:48:15
